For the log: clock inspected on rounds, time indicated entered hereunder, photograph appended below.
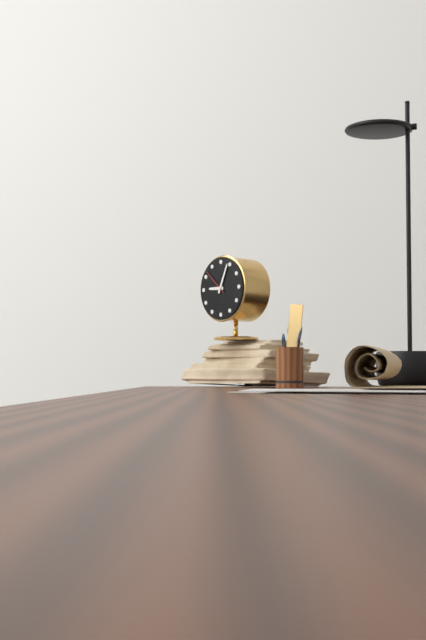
9:04
